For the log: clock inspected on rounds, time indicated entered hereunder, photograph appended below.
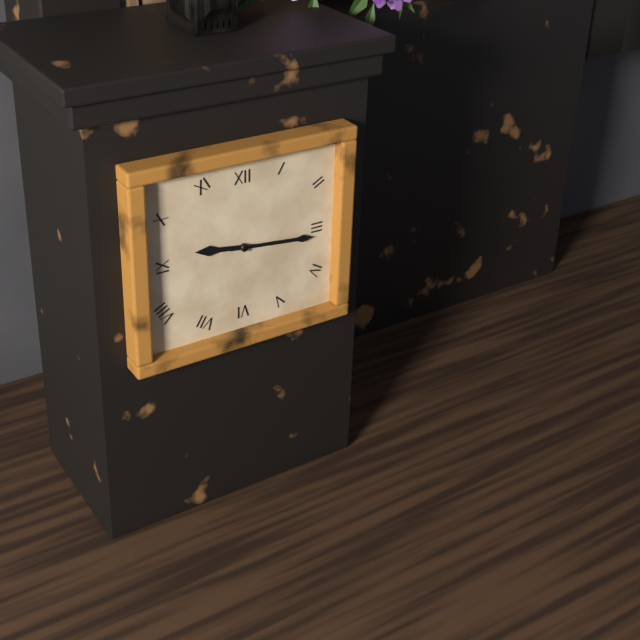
9:16
